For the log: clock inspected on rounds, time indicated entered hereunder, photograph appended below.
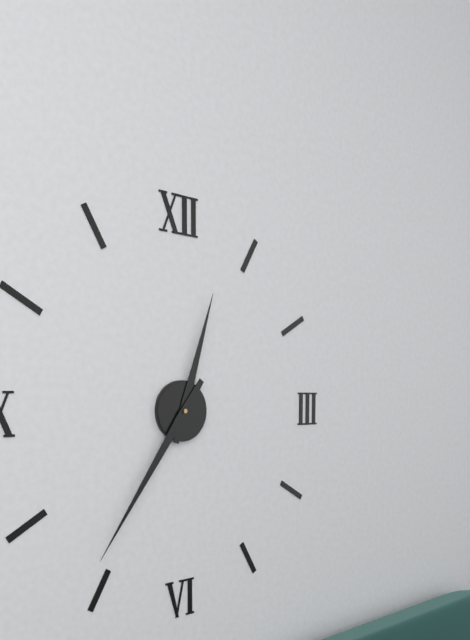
12:36
